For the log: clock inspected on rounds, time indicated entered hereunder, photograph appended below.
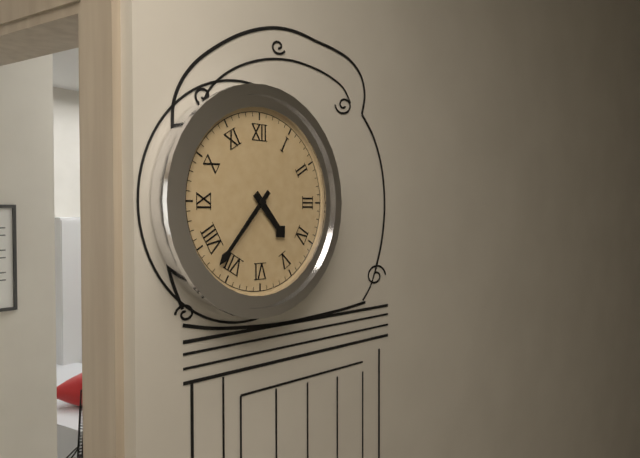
4:37
